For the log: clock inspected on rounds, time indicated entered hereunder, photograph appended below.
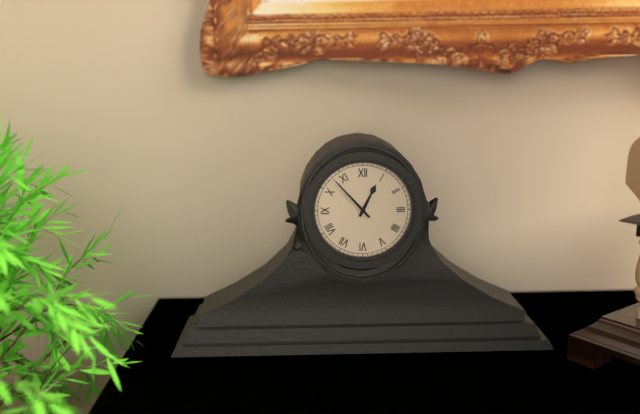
12:53
